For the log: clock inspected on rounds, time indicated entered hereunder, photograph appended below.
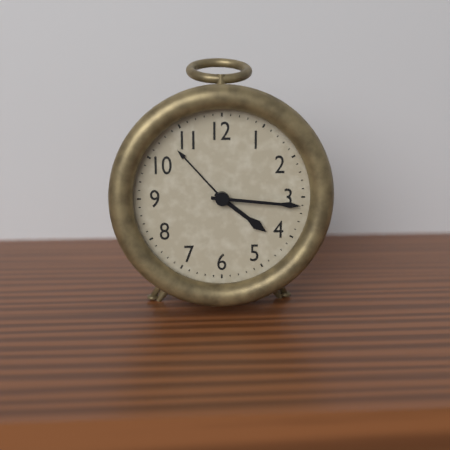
4:16
